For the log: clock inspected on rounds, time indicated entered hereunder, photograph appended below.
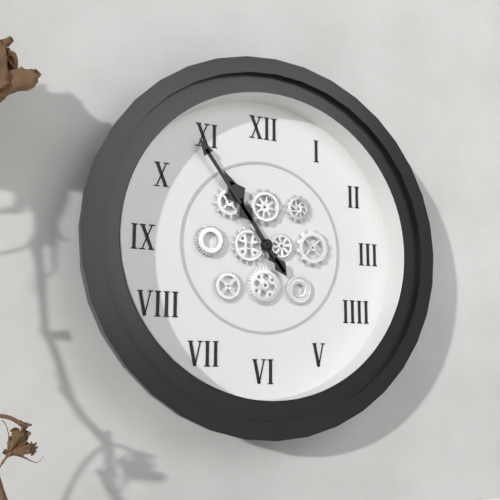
10:54
